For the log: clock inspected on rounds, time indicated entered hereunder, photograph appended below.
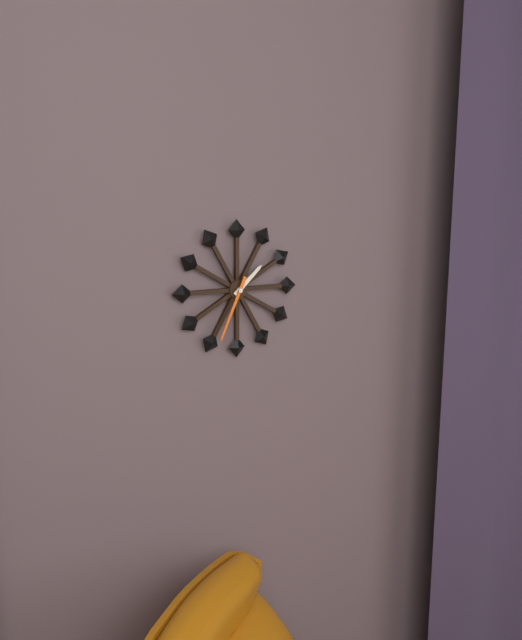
1:34
